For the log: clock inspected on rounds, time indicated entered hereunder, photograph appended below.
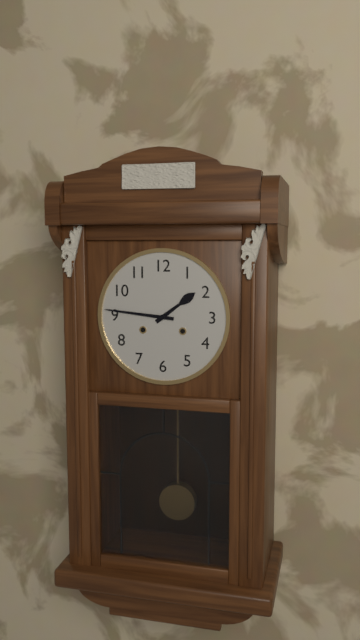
1:46
